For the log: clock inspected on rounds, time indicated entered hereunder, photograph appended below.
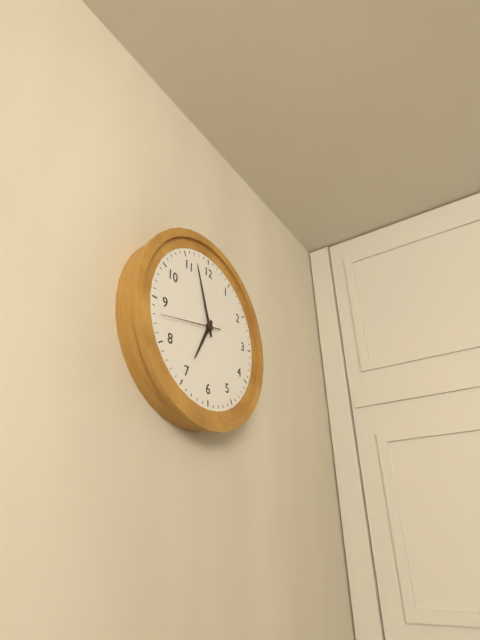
6:57:43
